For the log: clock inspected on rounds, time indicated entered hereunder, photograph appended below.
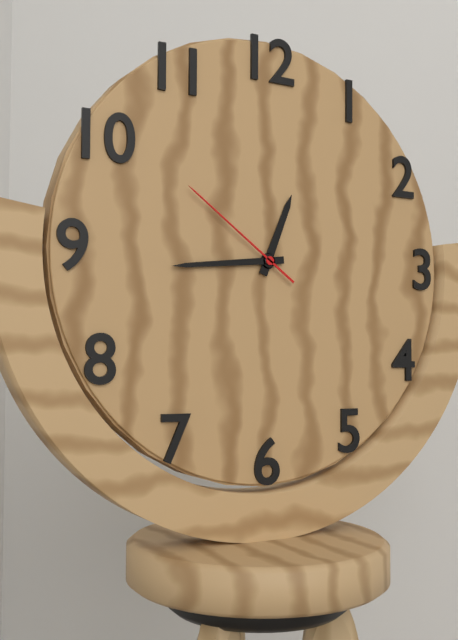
12:44:51
